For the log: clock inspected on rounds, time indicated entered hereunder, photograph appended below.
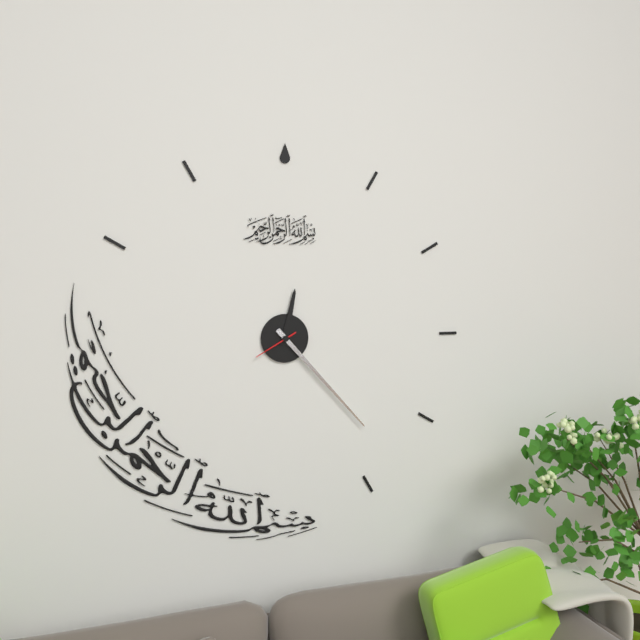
12:23
